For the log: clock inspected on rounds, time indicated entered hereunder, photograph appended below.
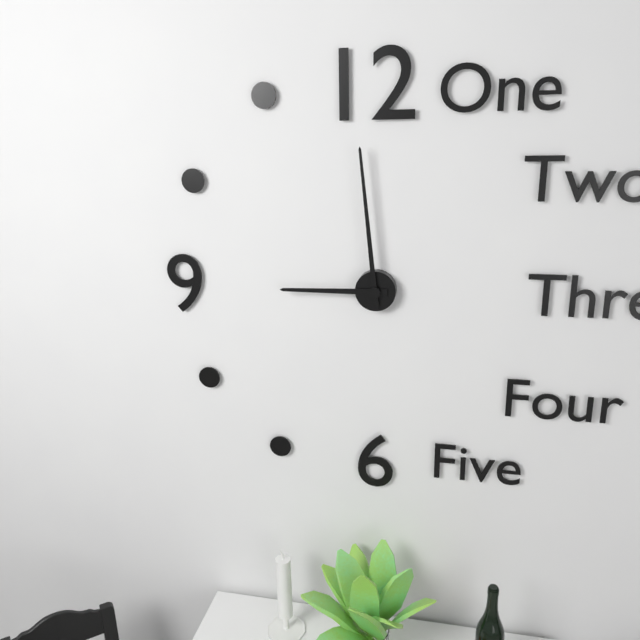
8:59
